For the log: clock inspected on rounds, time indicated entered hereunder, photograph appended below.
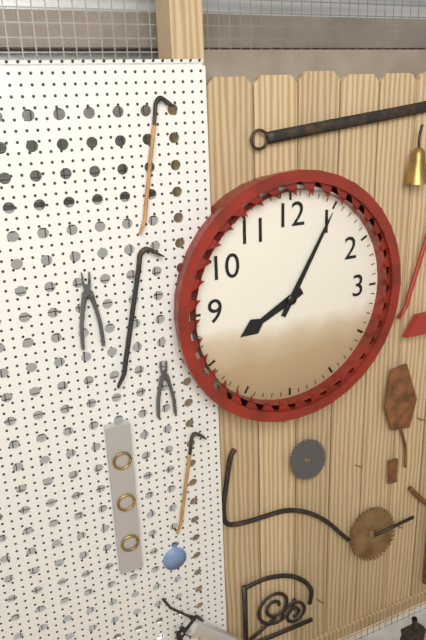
8:05
